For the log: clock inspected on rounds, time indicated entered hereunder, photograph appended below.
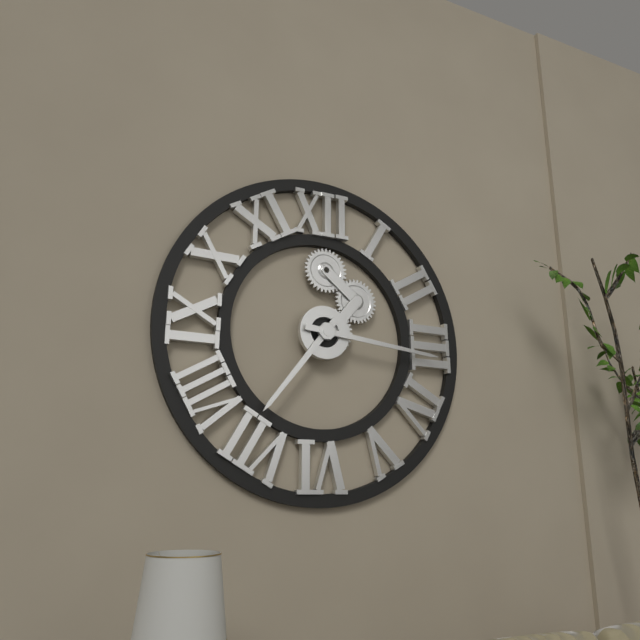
7:16
